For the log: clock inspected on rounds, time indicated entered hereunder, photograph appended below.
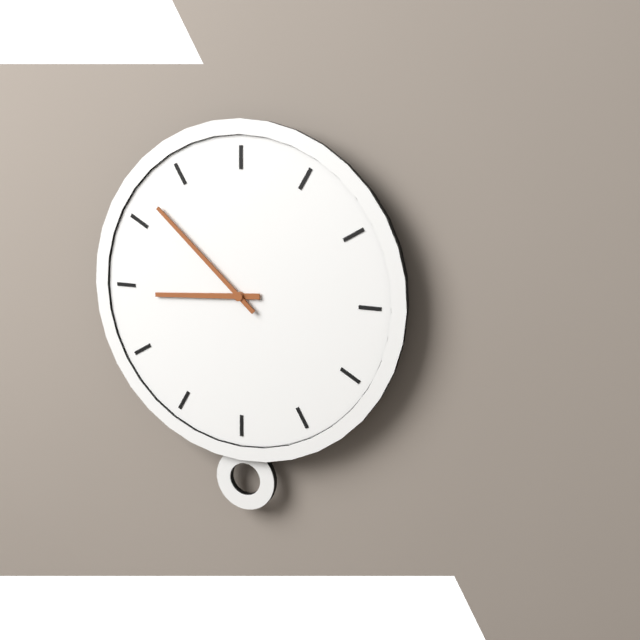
8:52
